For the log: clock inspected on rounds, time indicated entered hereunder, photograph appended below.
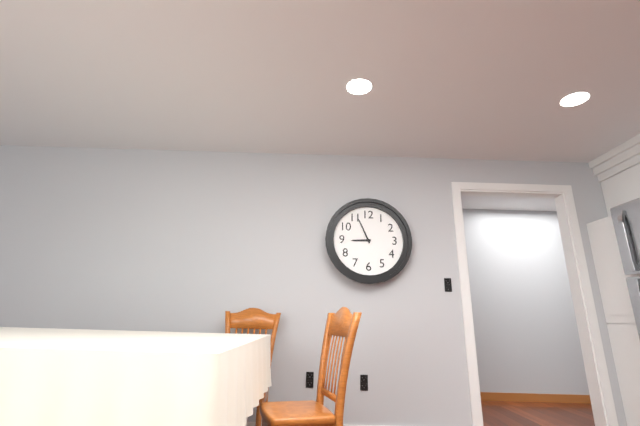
8:56
